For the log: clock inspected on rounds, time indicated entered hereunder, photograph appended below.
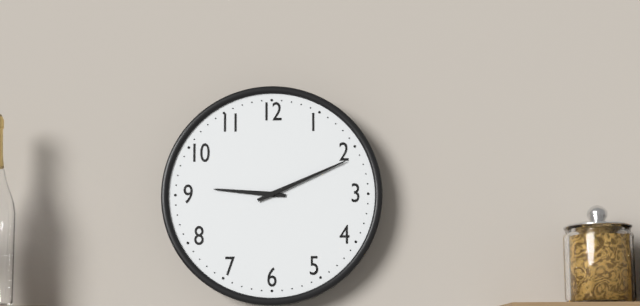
9:11
